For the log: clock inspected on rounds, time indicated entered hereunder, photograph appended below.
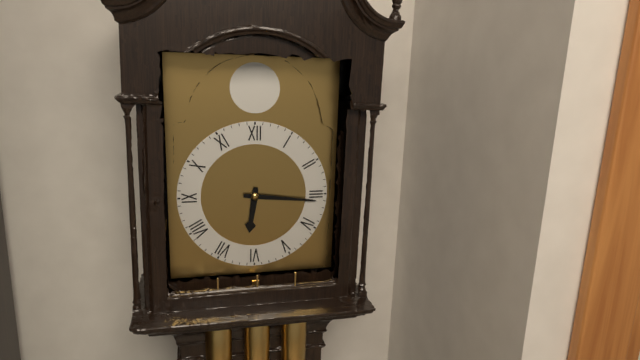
6:16
